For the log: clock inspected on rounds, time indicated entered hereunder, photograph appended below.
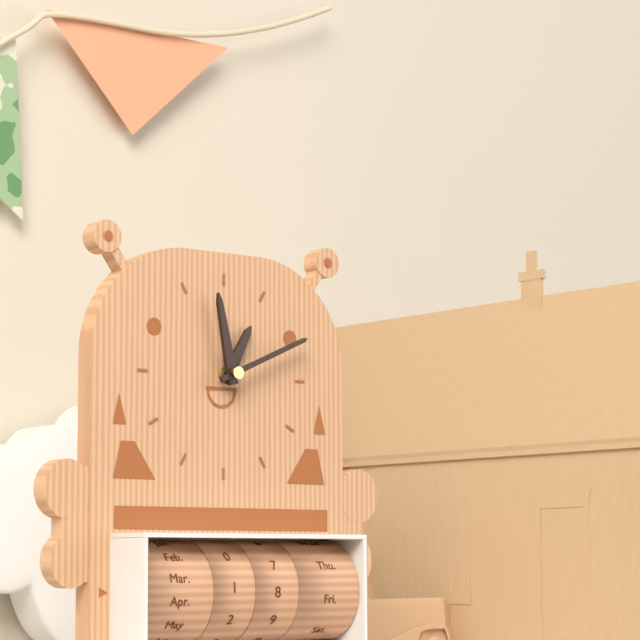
12:58:11
